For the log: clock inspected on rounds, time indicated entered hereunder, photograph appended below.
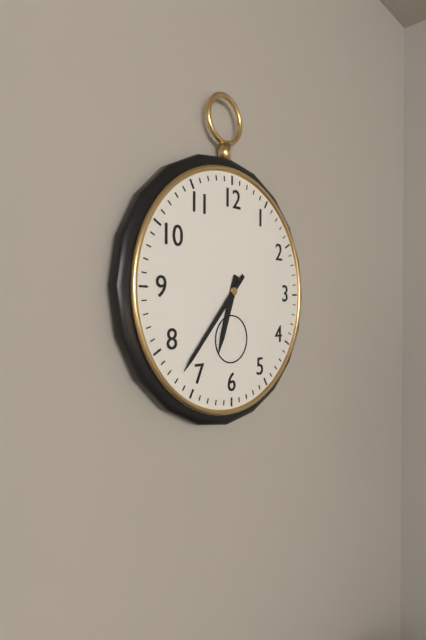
6:37
